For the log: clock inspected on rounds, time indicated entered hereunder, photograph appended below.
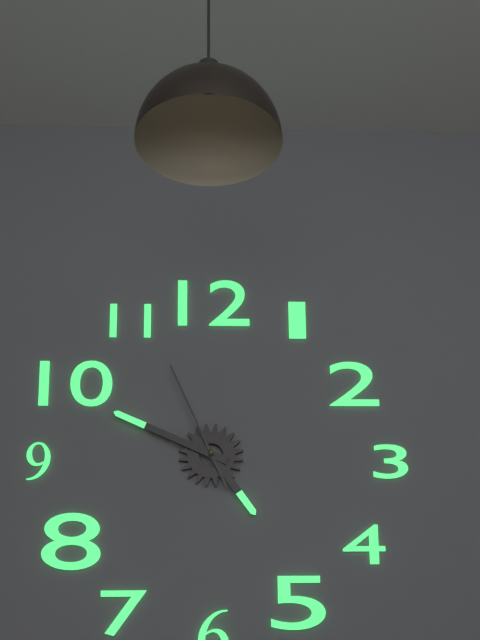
4:49:56
